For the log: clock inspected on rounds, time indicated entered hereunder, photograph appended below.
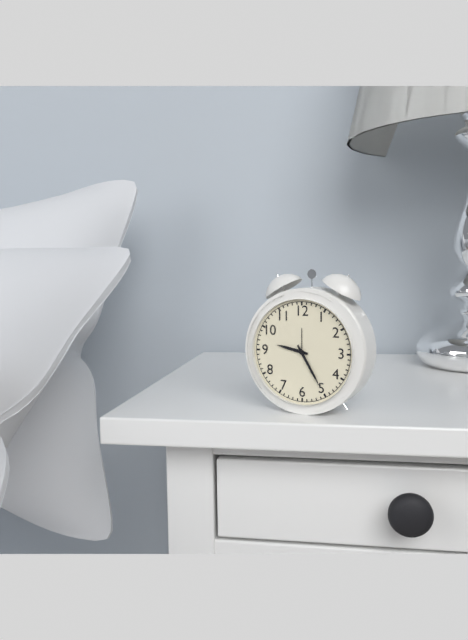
9:25
